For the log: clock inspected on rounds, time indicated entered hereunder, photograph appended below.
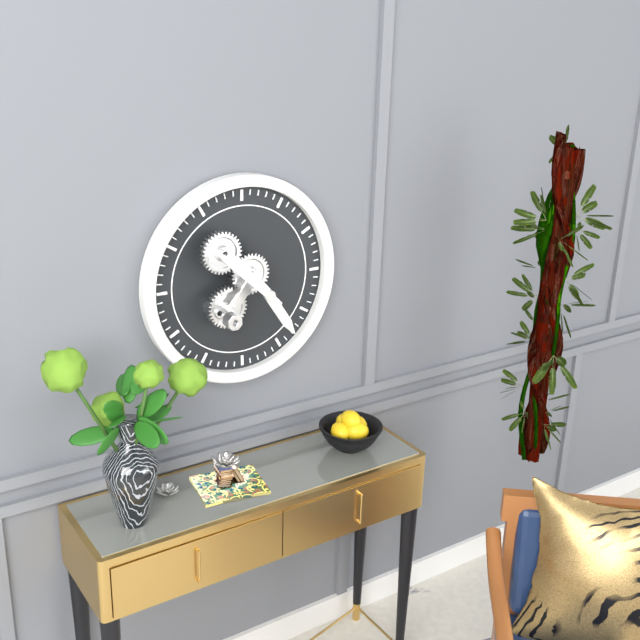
4:52
